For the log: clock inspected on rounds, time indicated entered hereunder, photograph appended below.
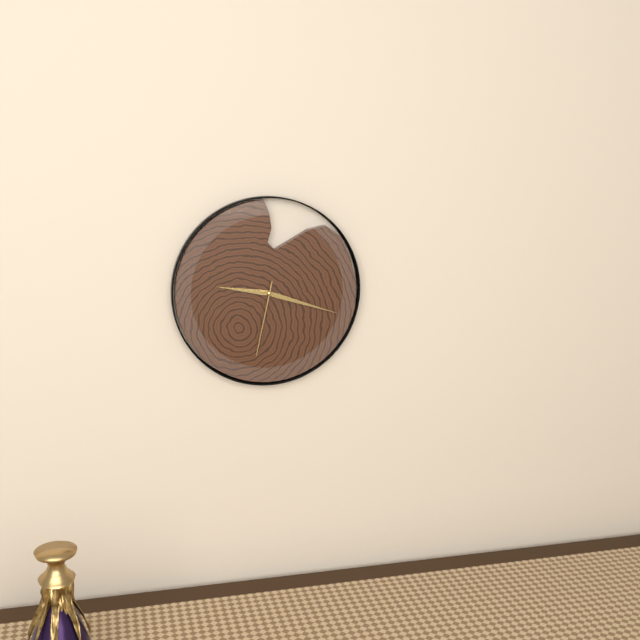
9:18:32
